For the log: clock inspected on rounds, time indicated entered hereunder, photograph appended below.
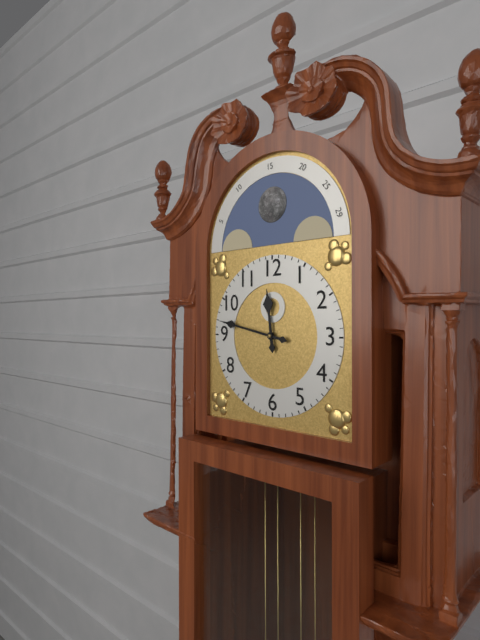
11:47
